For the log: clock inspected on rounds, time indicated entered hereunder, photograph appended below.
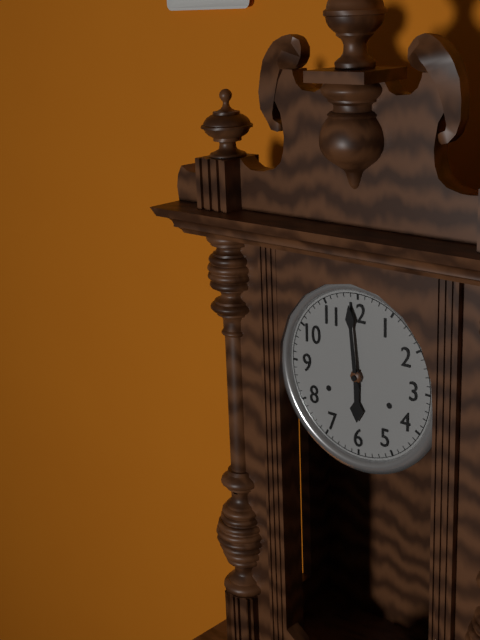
5:59
